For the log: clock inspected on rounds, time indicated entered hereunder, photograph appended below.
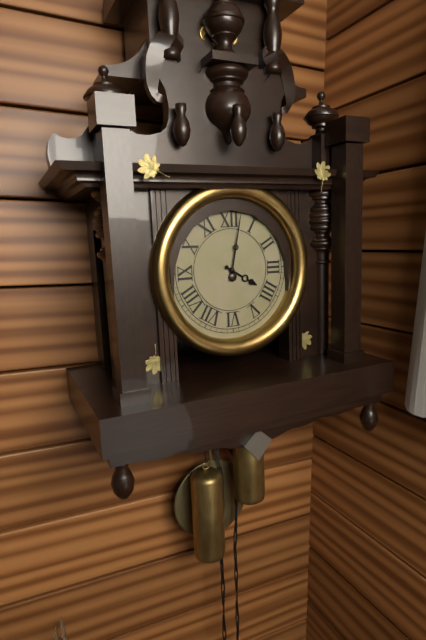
4:02
